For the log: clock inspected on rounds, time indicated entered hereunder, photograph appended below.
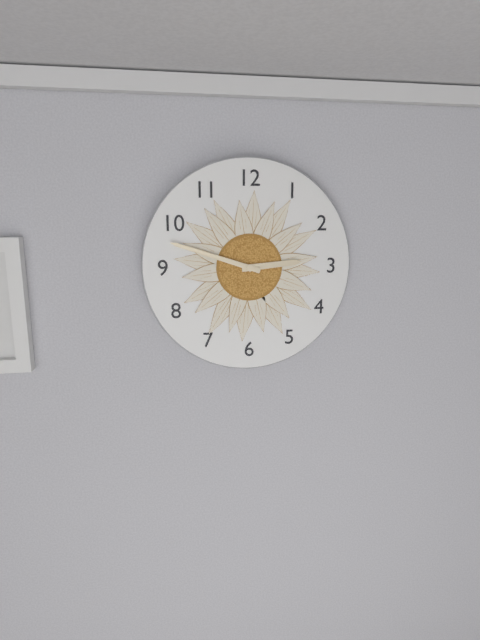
2:48
